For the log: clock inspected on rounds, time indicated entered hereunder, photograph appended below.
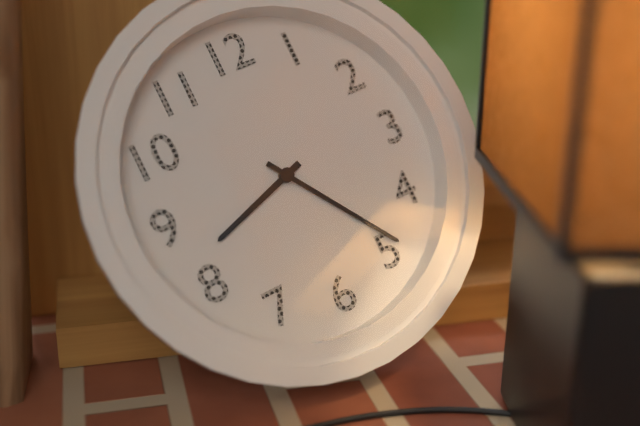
8:24
